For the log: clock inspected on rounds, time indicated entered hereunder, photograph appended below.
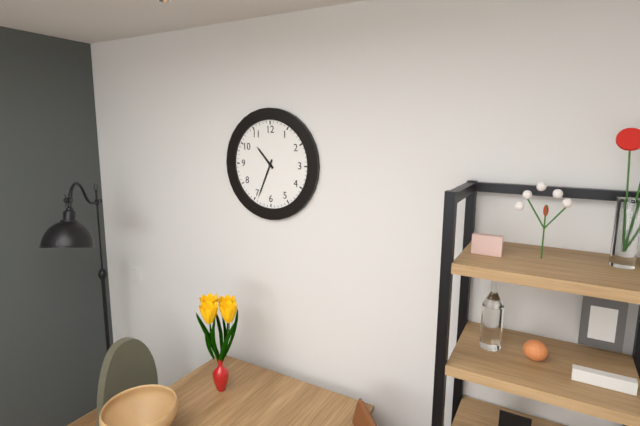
10:34
